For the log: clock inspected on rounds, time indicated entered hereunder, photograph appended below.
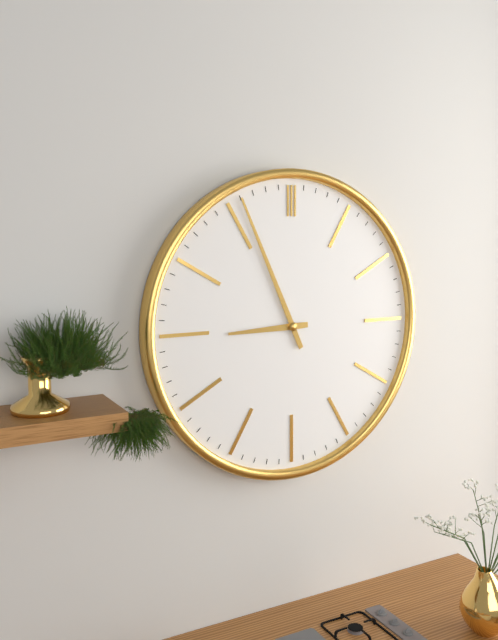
8:56
